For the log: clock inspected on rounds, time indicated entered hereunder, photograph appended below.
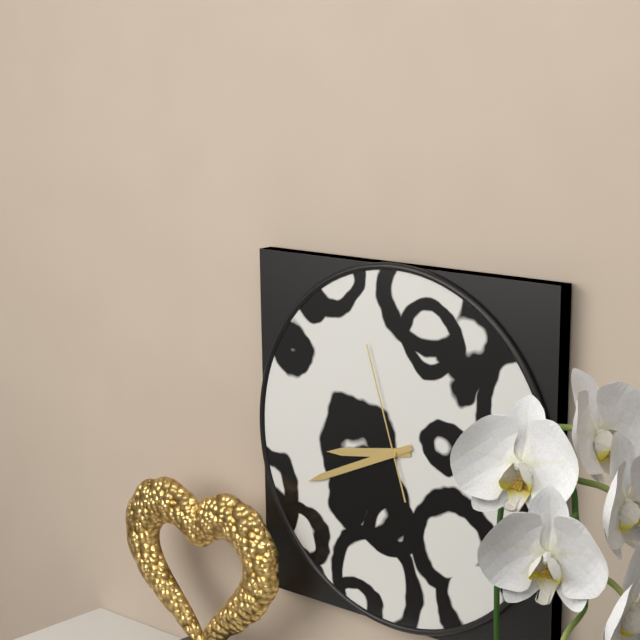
8:41:57
